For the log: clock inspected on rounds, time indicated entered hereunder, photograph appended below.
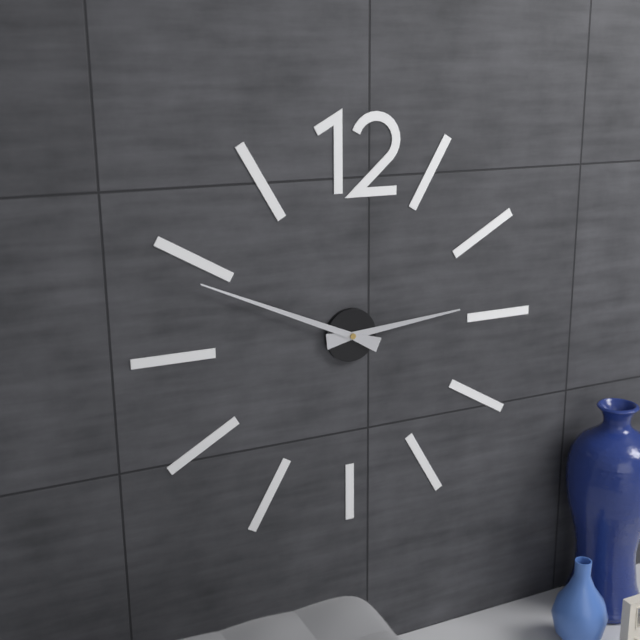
2:49
